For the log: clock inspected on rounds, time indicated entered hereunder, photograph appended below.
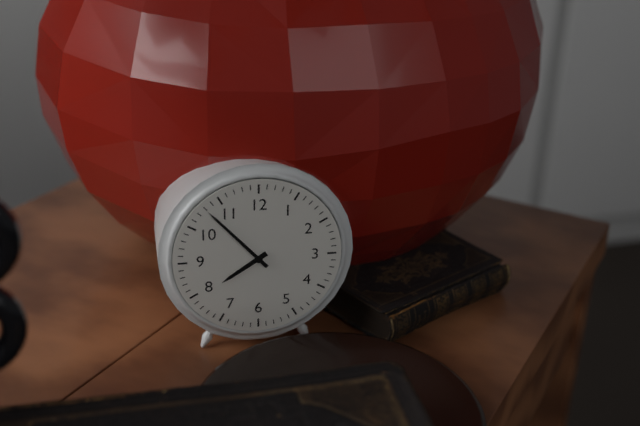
7:53
